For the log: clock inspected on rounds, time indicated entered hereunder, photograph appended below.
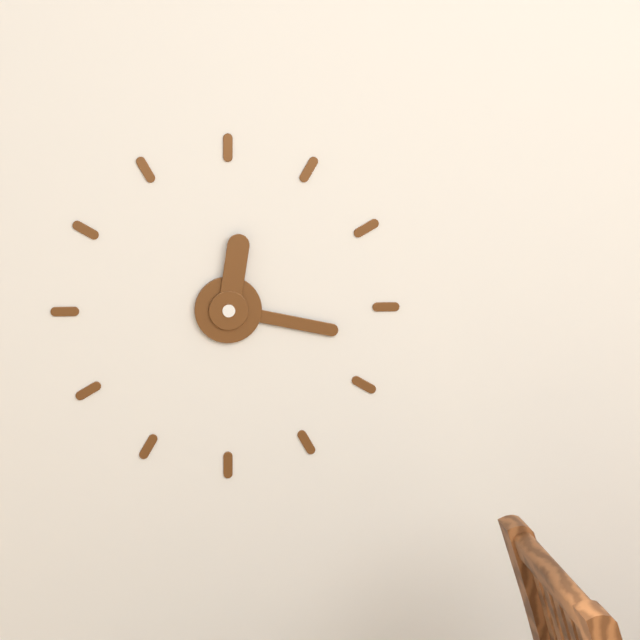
12:17
